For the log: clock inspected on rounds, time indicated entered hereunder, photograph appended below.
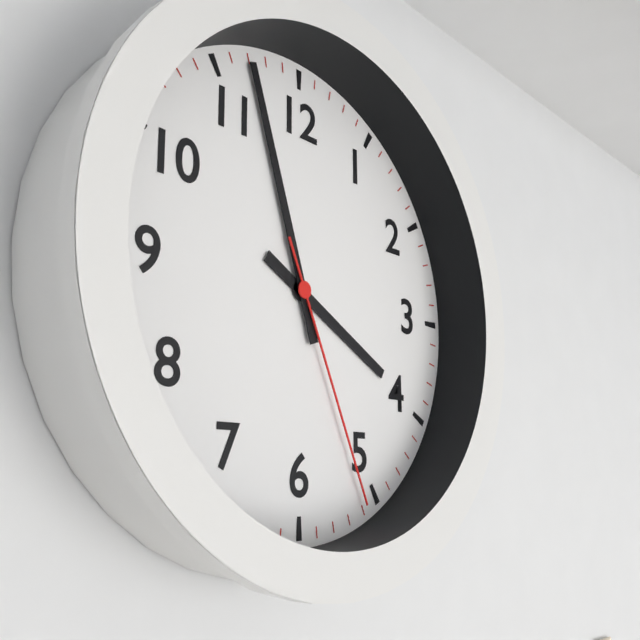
3:57:26
